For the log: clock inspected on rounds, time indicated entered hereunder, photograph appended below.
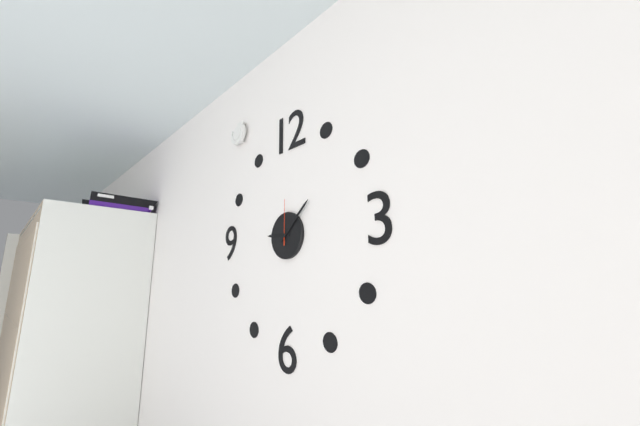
9:08
